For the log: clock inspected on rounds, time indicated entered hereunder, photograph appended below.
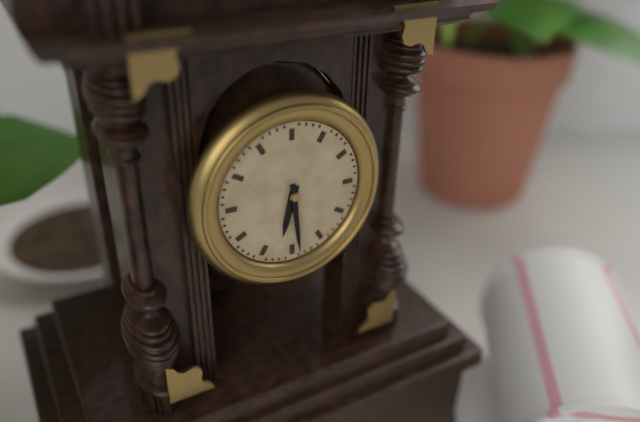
6:29
